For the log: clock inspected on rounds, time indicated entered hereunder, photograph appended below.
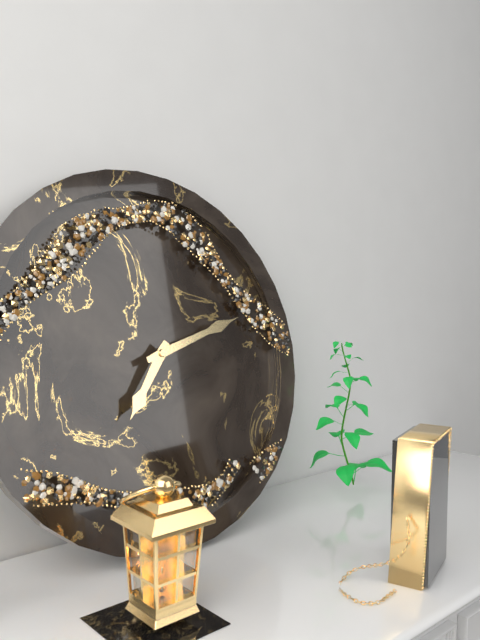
7:12
